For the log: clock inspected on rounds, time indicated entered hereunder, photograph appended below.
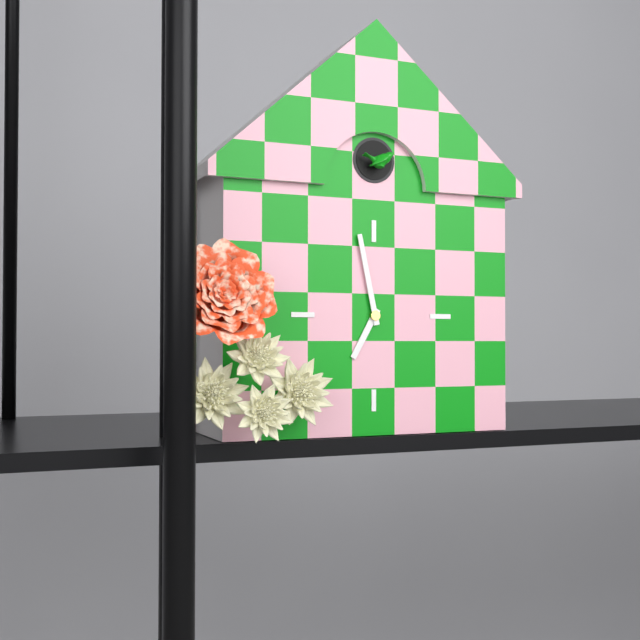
6:58
